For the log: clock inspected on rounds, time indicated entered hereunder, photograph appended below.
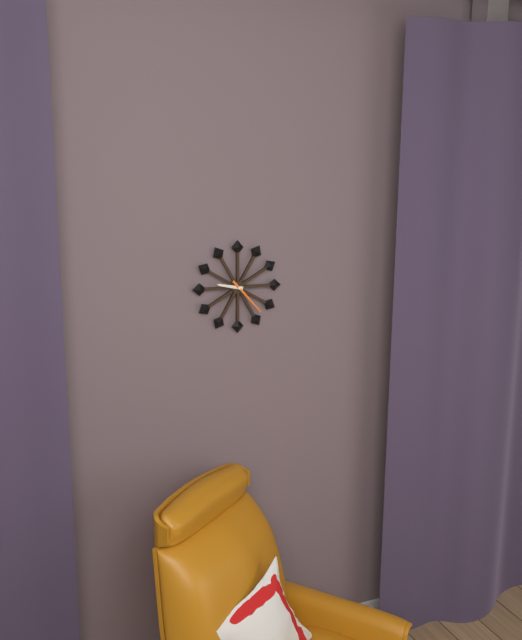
9:23
